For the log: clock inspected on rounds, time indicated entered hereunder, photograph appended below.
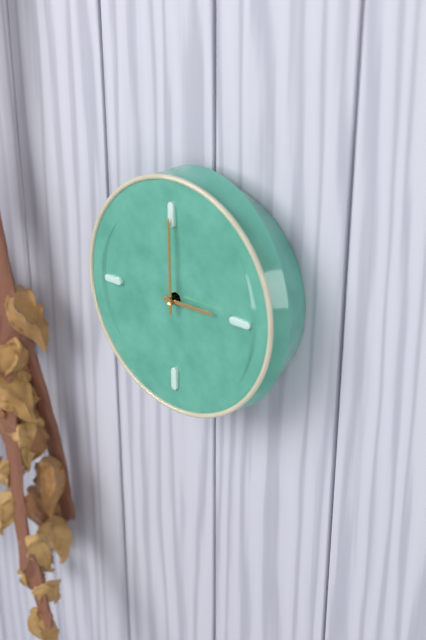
3:00
